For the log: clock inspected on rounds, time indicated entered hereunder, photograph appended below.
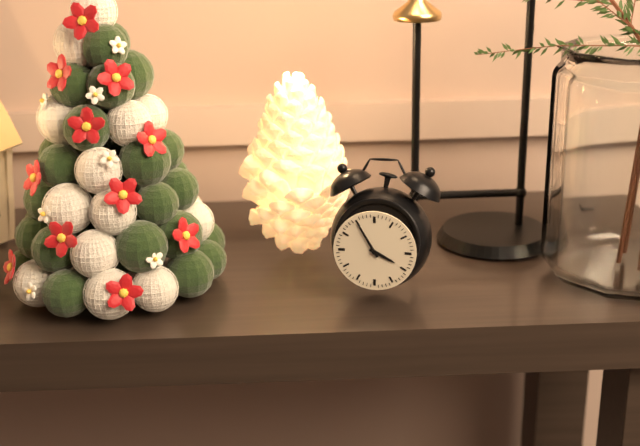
3:55
